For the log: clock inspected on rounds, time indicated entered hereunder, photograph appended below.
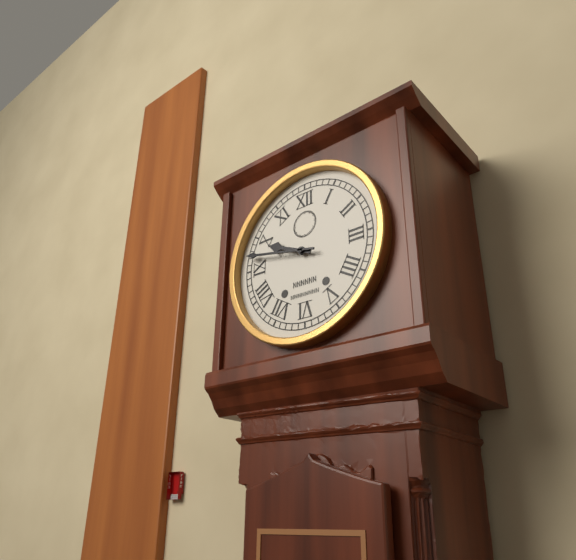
9:47
